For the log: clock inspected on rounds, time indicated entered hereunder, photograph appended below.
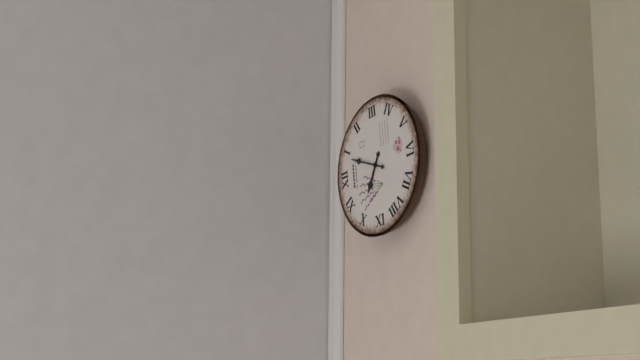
10:04
